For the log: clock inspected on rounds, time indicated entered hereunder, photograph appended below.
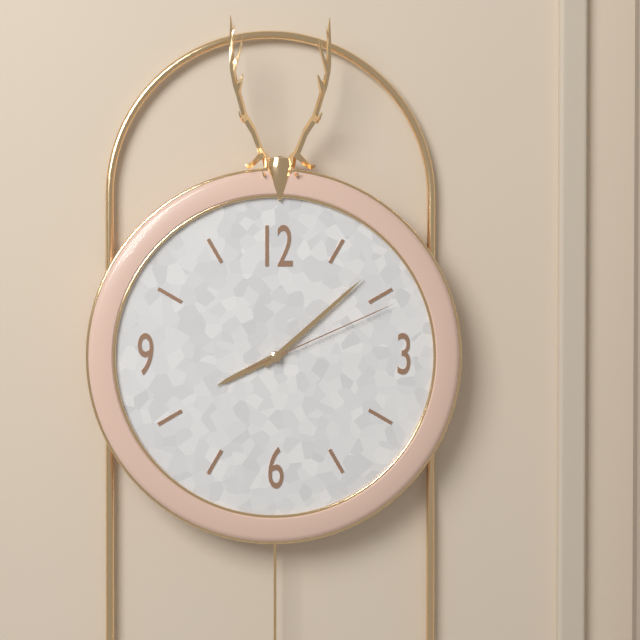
8:08:11
